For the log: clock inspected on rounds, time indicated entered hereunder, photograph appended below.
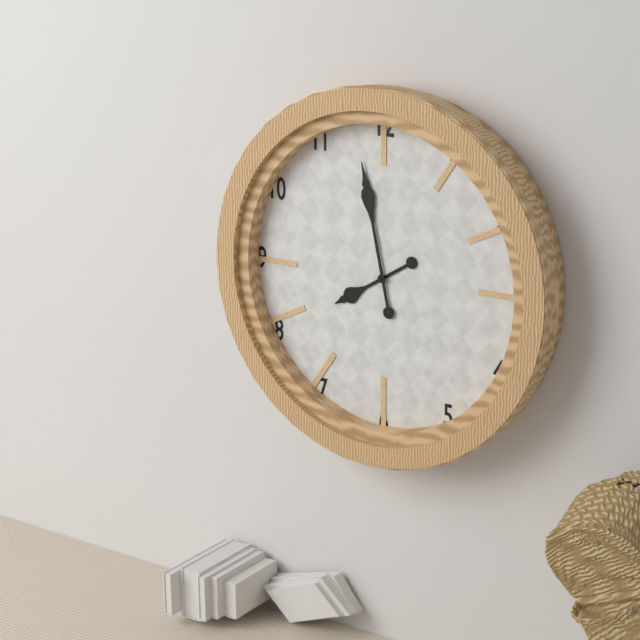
7:58
